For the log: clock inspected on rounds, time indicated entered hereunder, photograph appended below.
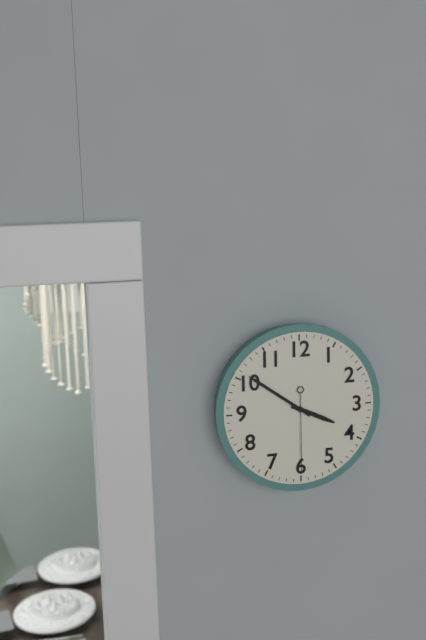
3:51:30
